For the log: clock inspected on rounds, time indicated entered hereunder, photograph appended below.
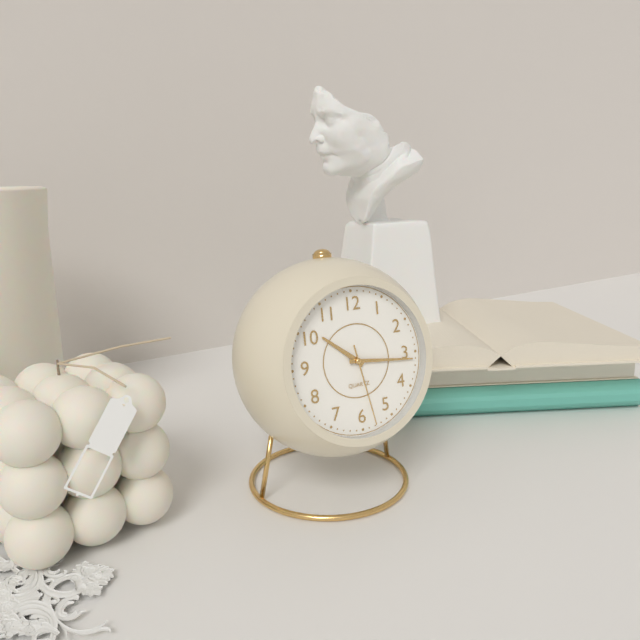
10:16:28
